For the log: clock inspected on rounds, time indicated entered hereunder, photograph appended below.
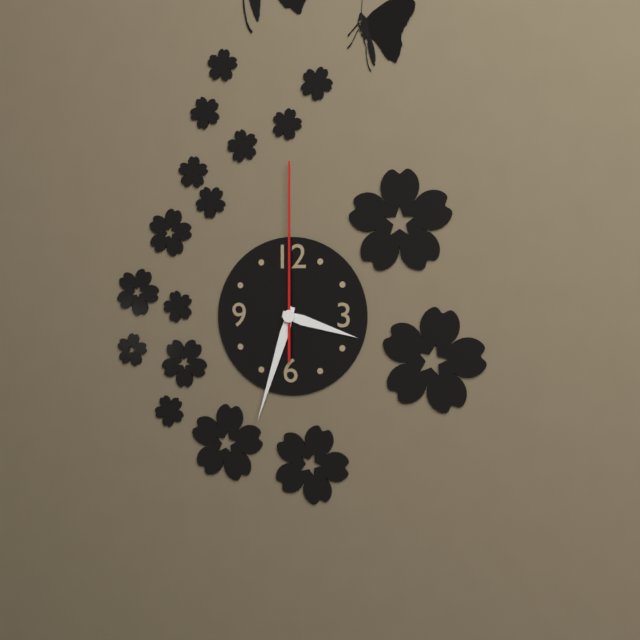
3:33:00
